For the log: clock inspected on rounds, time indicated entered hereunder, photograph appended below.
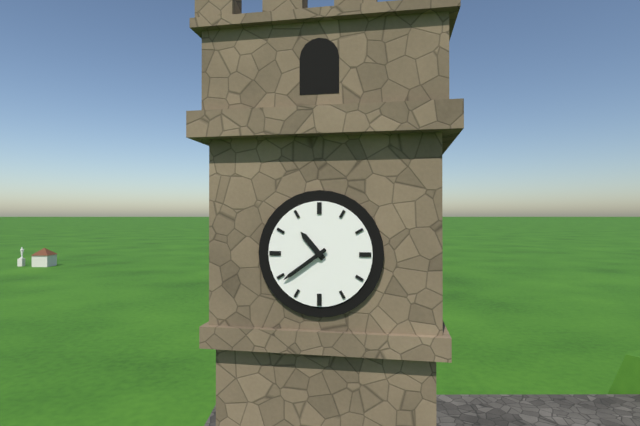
10:39
